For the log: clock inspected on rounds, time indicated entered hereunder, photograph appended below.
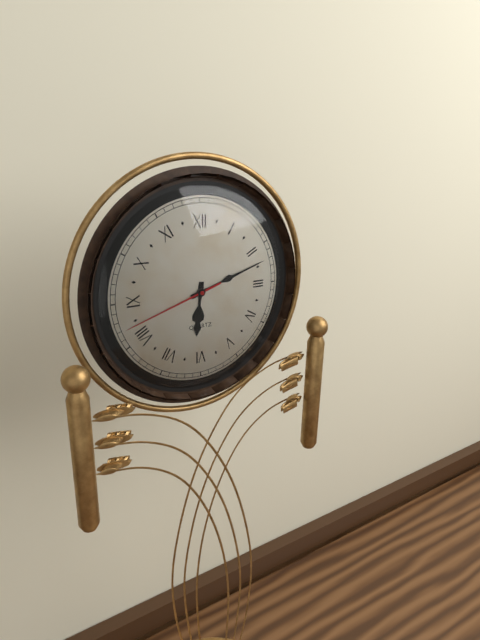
6:12:42
